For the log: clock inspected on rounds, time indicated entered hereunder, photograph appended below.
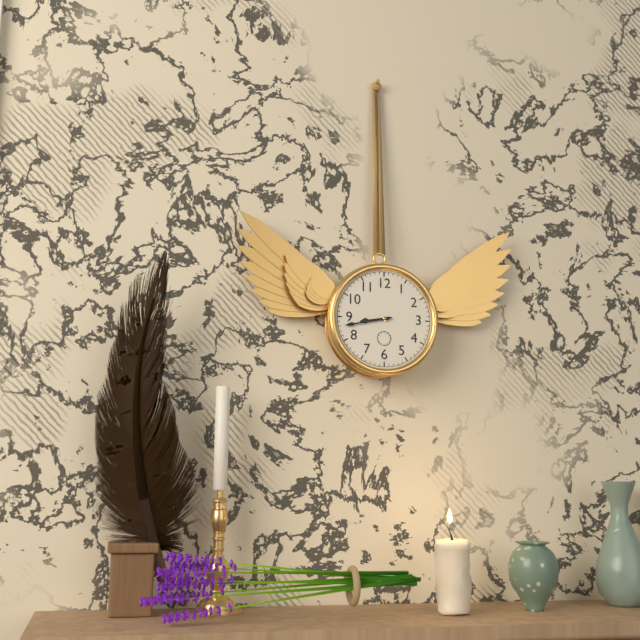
8:43
